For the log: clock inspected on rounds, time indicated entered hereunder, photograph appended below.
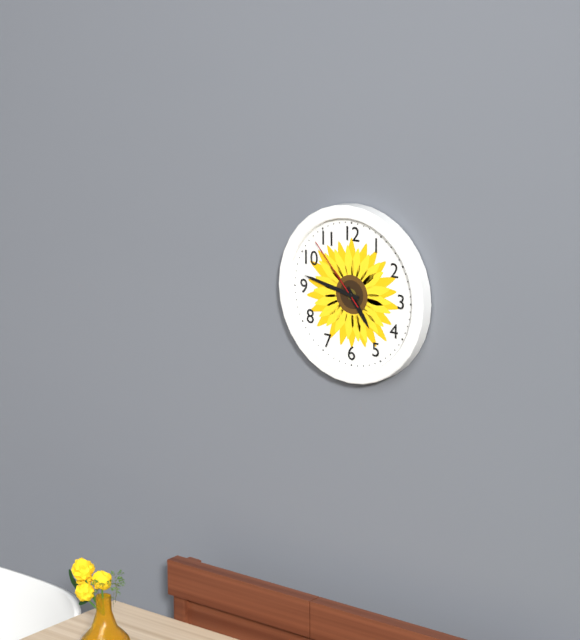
4:47:53
